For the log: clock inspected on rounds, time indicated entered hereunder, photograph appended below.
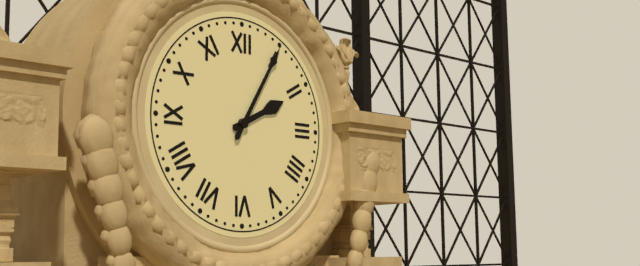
2:05
